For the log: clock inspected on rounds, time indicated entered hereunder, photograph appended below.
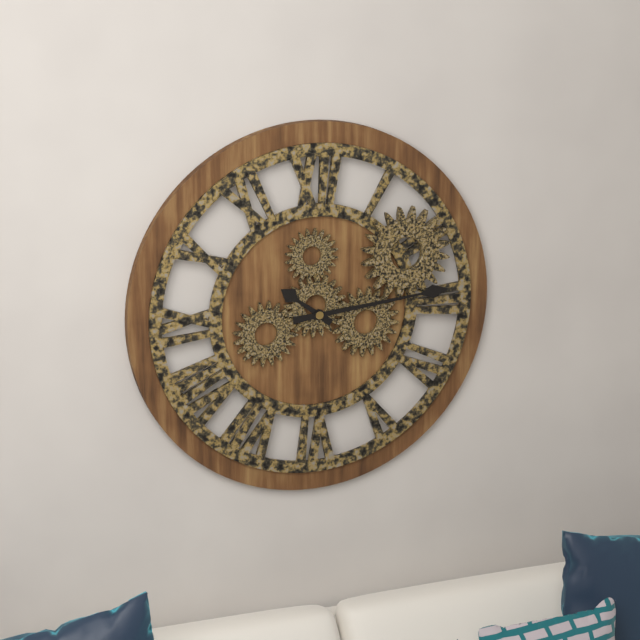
10:14
